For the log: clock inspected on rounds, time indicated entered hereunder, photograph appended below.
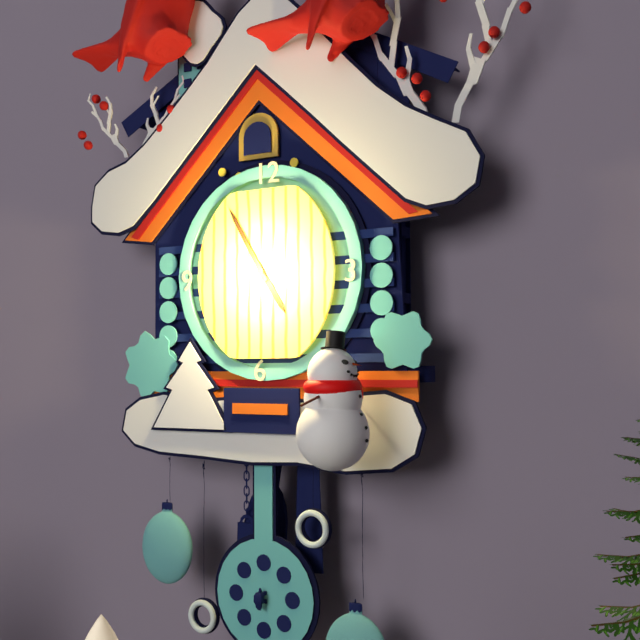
4:55
